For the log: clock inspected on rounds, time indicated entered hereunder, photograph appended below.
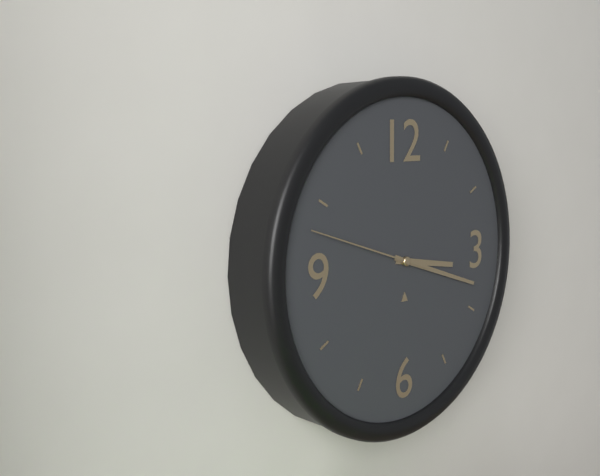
3:18:48
